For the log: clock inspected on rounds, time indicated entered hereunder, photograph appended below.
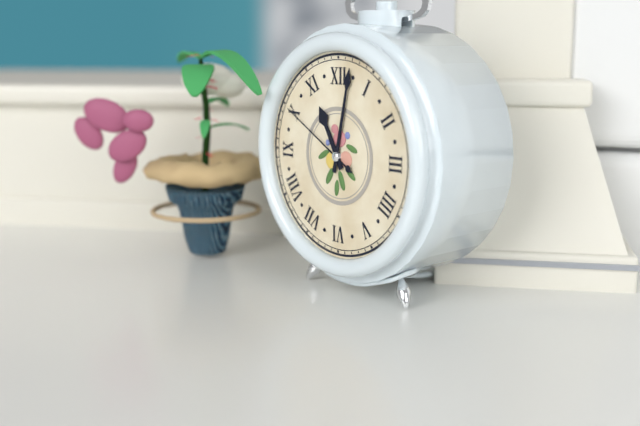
11:02:50
